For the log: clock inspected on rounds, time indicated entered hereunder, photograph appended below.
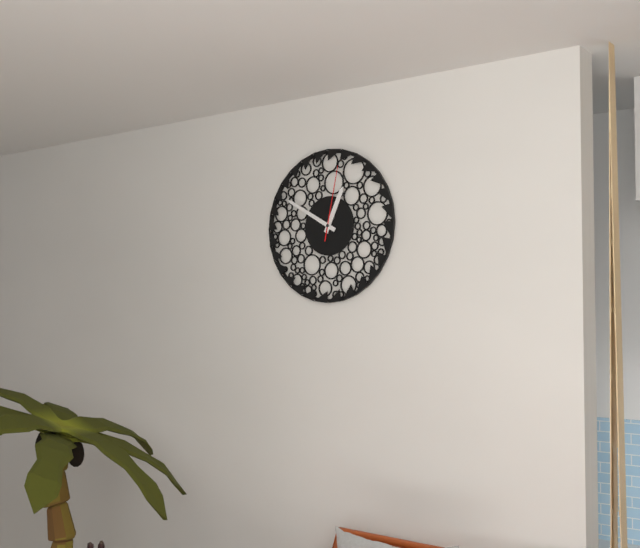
12:50:02
